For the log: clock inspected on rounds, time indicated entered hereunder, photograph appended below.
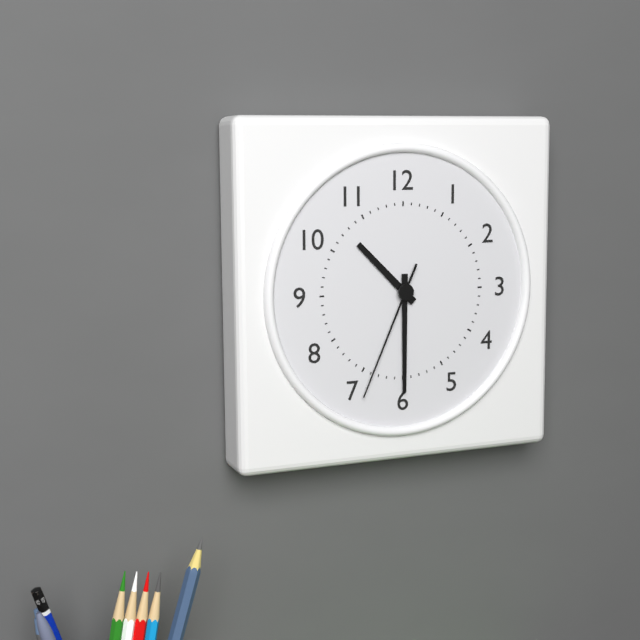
10:30:34
